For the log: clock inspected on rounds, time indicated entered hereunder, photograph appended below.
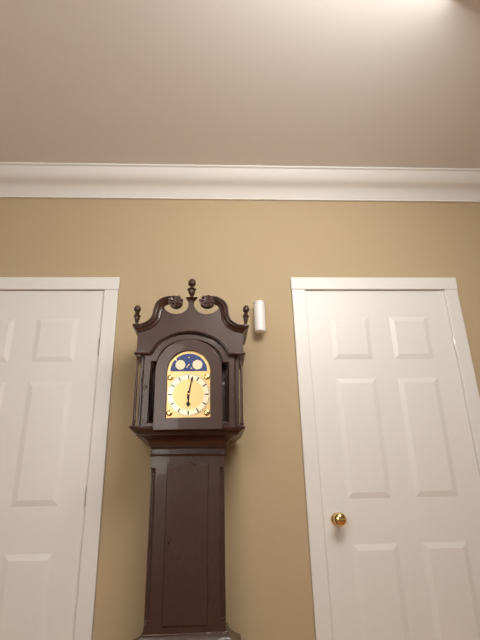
6:02
